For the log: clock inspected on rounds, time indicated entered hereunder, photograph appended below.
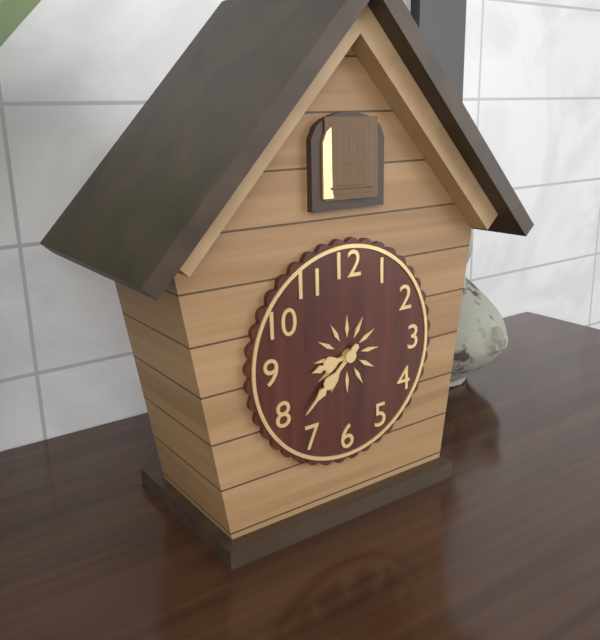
8:38
